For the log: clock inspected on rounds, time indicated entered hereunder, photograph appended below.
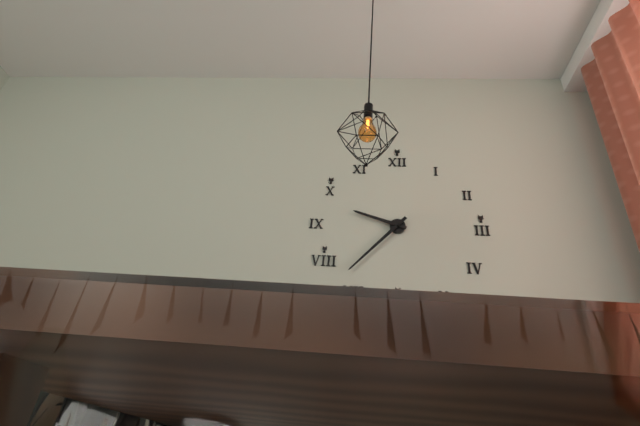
9:37
